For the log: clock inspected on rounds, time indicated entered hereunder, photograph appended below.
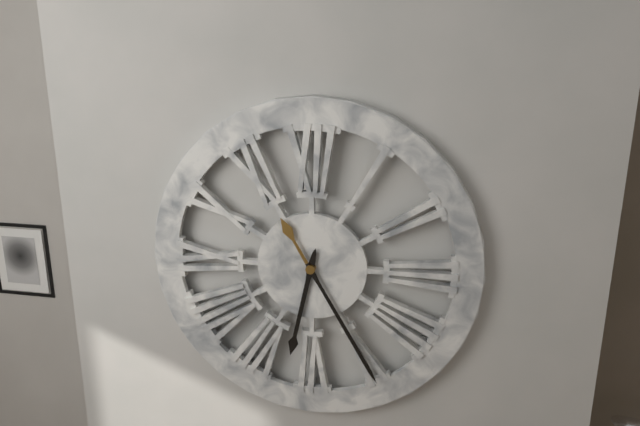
6:25
